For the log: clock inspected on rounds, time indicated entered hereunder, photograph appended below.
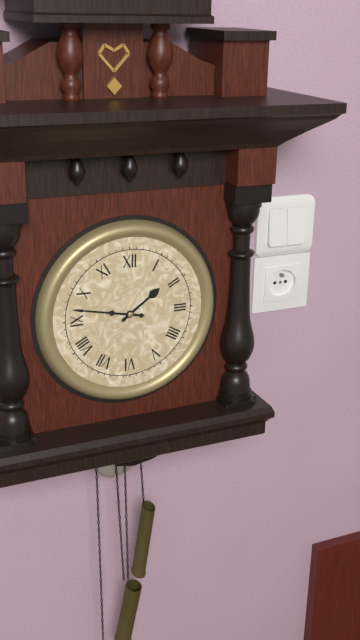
1:47
